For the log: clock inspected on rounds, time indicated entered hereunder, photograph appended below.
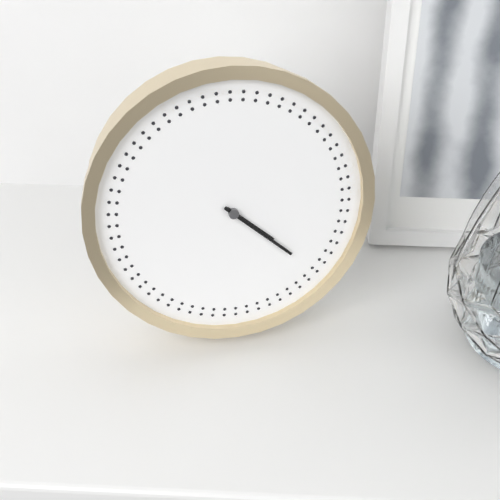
4:22
